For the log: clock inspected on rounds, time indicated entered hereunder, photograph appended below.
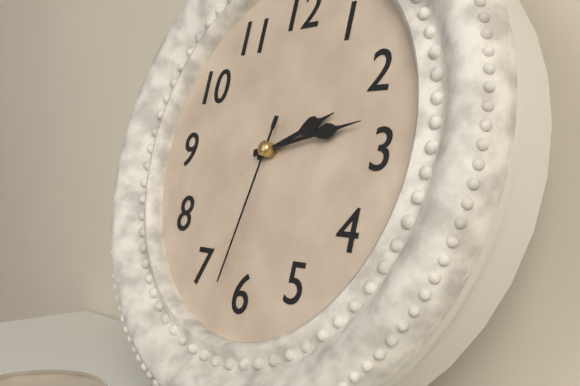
2:13:32
